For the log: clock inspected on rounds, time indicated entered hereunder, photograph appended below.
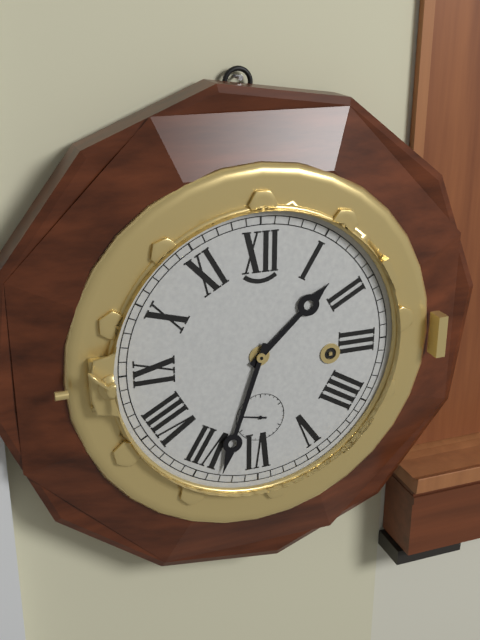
1:33
